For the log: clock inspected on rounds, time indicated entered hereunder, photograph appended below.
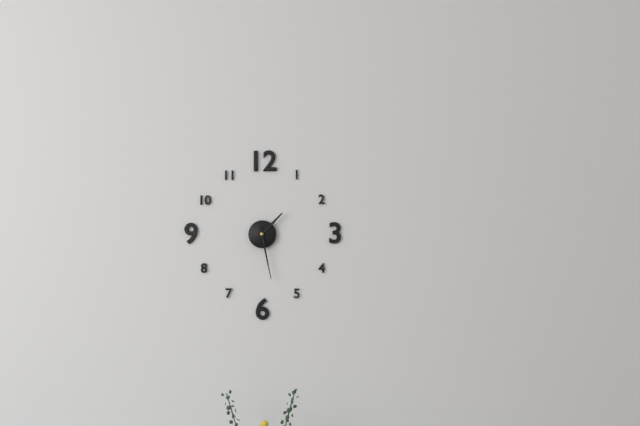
1:28
